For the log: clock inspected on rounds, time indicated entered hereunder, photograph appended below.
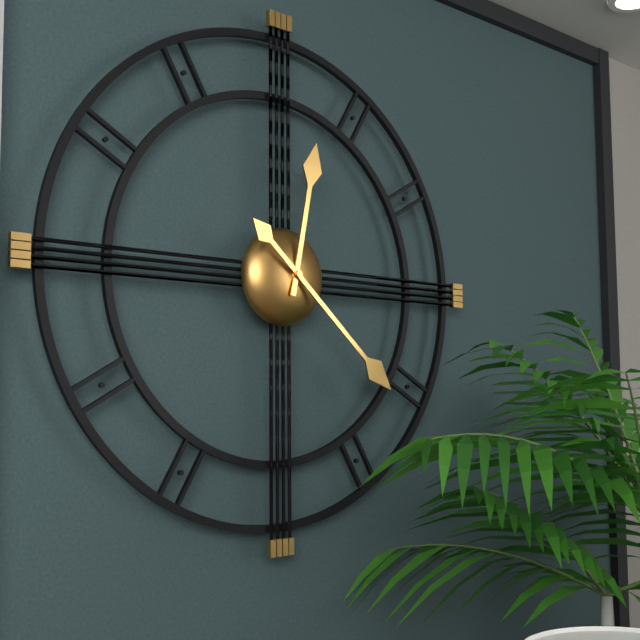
12:22
